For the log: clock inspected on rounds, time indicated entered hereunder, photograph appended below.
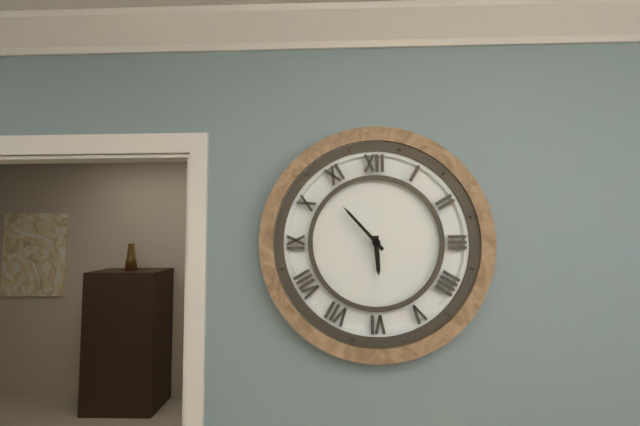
5:53
